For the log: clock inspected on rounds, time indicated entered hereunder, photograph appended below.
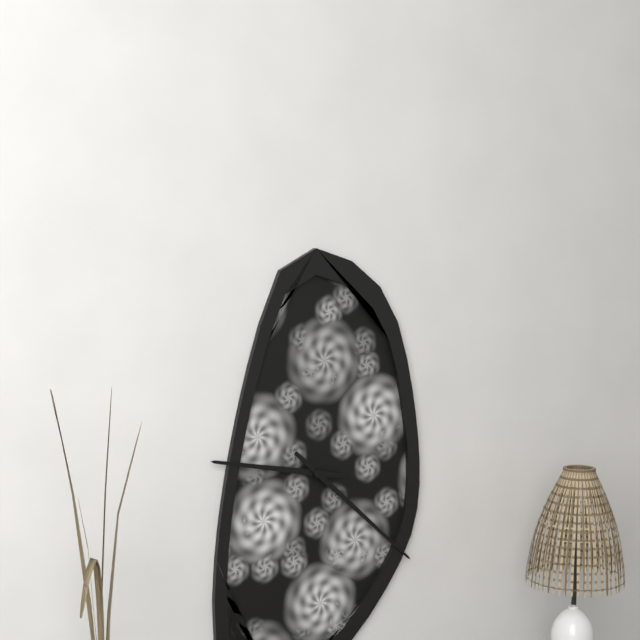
9:22
